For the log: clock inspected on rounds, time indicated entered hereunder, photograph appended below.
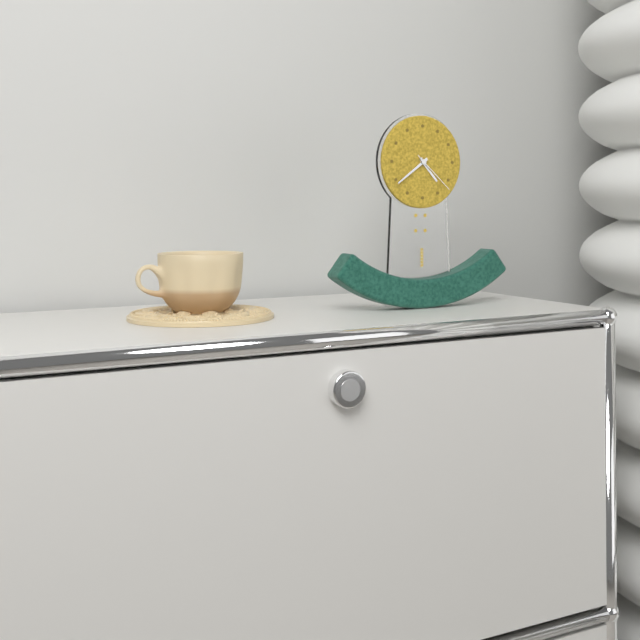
4:39
